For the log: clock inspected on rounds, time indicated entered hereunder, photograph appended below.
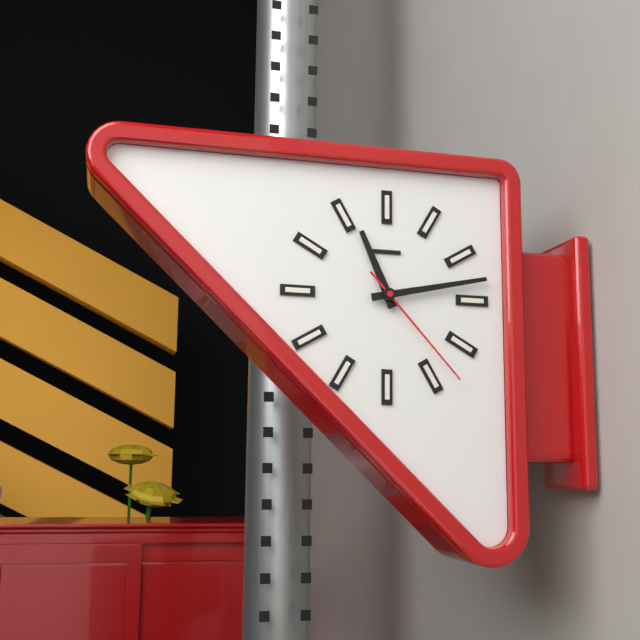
11:13:23
